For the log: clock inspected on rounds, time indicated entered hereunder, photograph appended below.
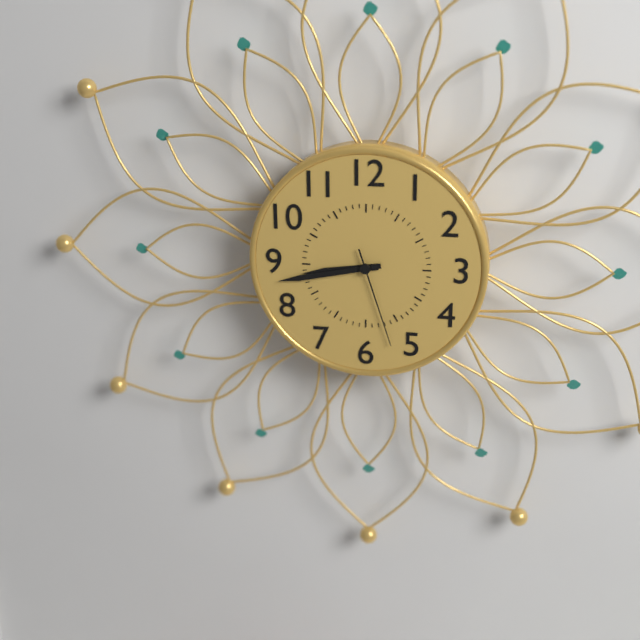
8:43:27
